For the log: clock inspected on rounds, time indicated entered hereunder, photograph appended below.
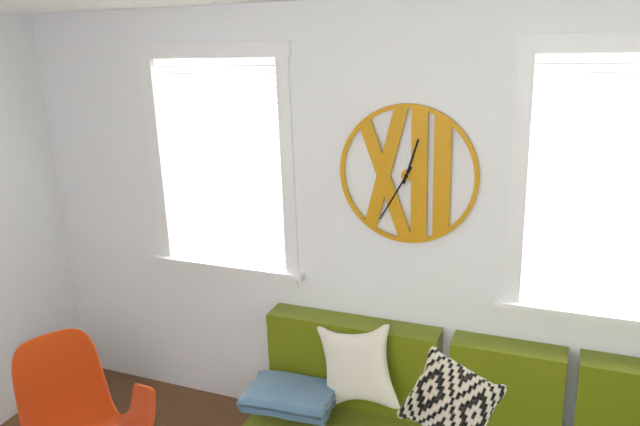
12:35
